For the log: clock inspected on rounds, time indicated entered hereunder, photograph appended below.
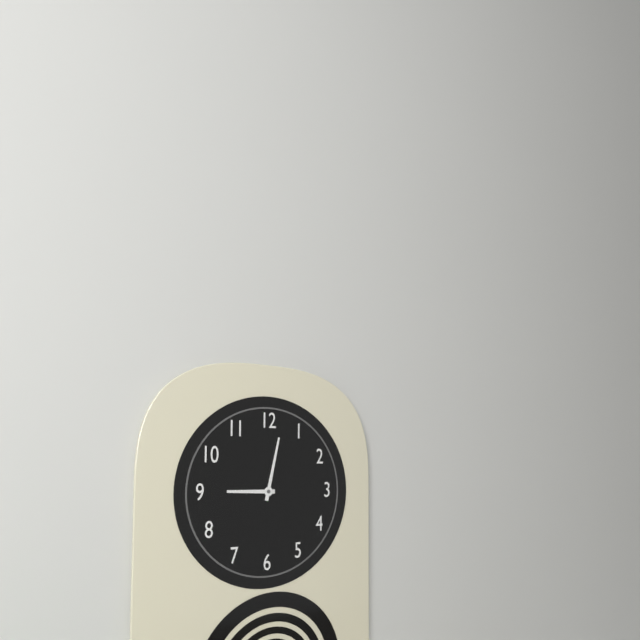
9:02
